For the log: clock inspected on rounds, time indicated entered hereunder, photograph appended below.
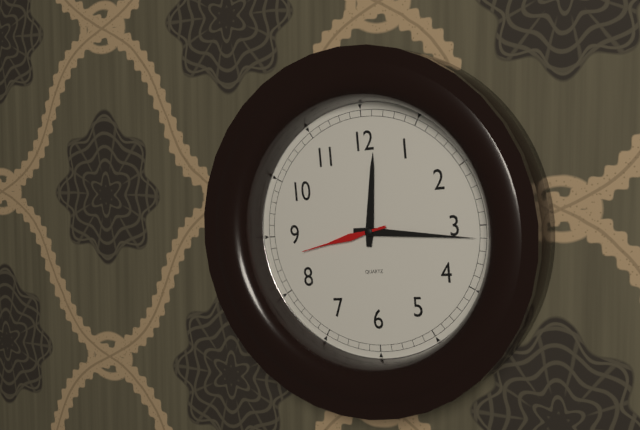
12:16:43
